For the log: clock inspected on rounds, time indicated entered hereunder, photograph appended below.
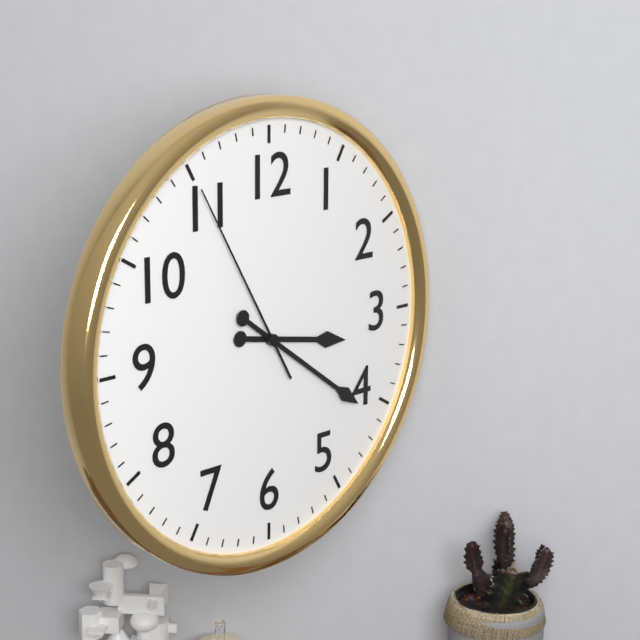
3:21:55
